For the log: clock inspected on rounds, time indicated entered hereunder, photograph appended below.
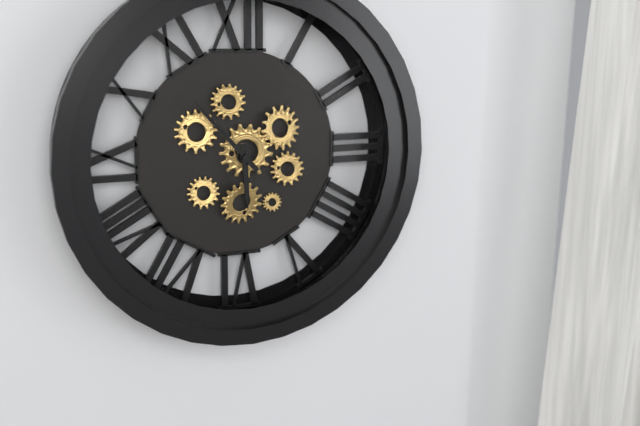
5:53
